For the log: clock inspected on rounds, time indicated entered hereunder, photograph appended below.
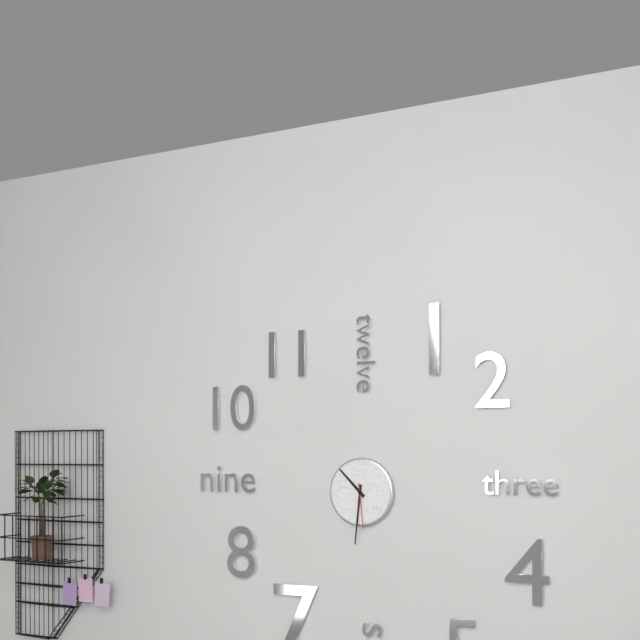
10:31
